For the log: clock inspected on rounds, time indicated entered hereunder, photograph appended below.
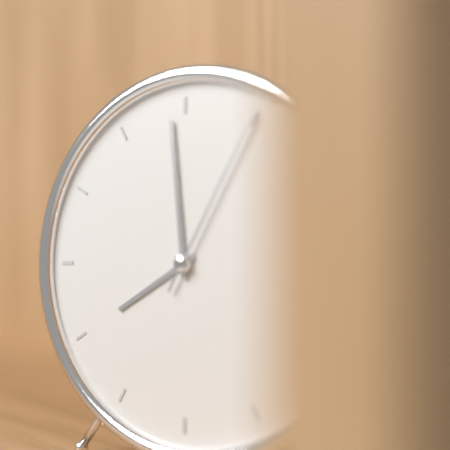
7:59:05
